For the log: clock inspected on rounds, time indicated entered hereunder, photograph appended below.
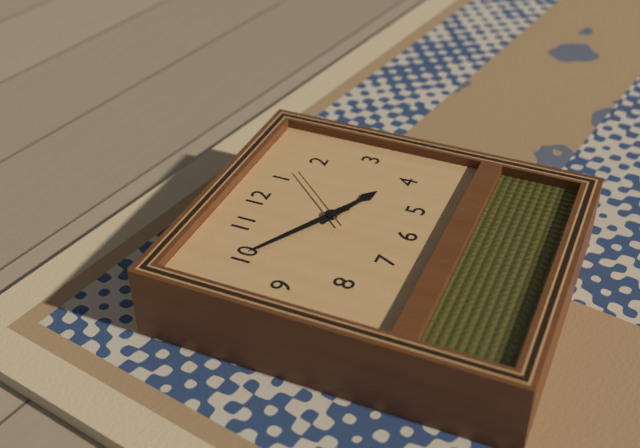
3:50:07
